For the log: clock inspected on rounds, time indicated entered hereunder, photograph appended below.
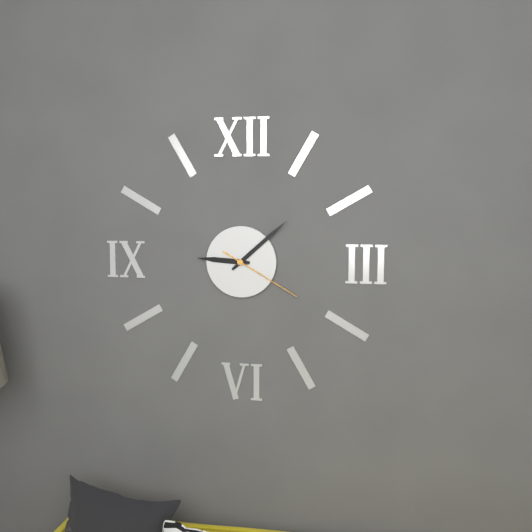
9:08:20
